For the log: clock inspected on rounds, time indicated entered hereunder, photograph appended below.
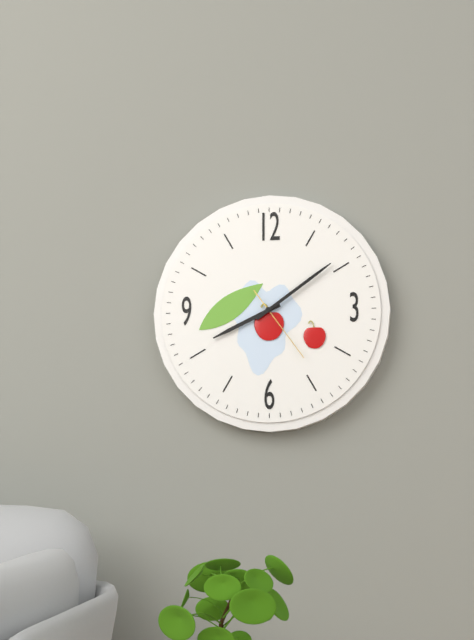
8:09:24
